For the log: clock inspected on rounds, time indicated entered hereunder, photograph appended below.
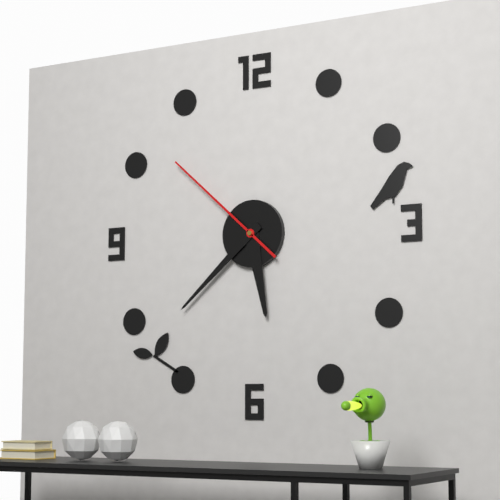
5:38:52
